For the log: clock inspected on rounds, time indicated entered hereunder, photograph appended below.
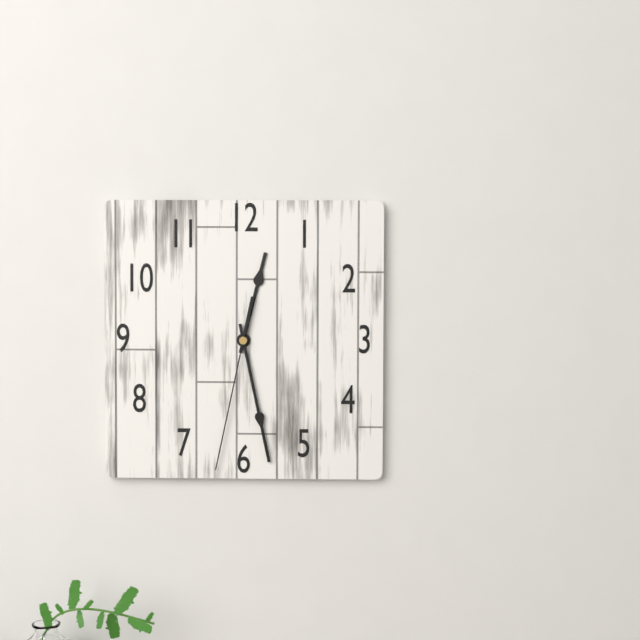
12:28:32
